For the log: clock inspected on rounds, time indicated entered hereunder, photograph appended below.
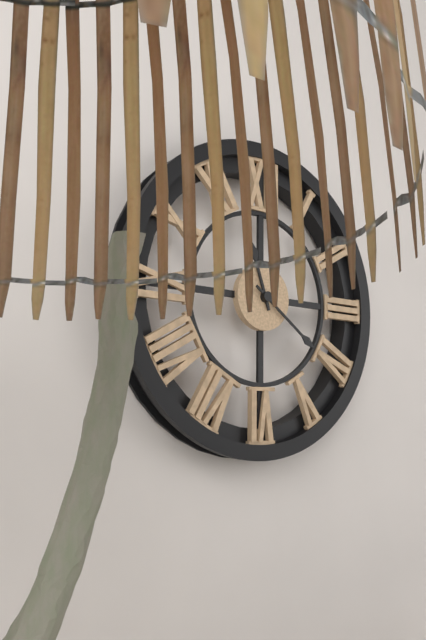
11:21
